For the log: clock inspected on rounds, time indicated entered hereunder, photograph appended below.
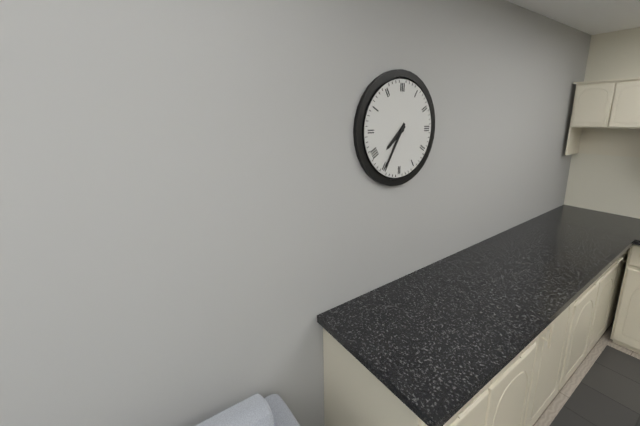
7:35
